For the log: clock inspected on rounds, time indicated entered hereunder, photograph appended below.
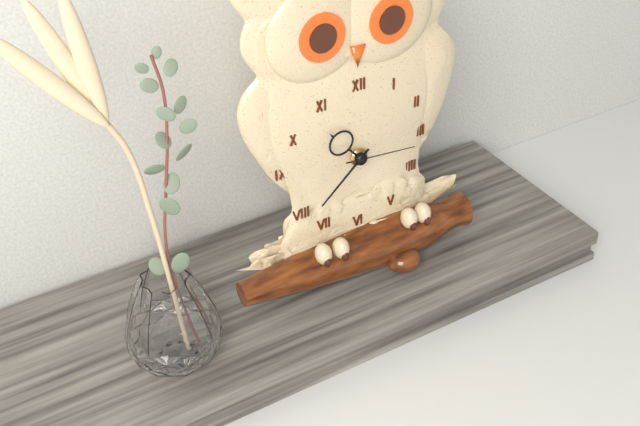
10:38:16
